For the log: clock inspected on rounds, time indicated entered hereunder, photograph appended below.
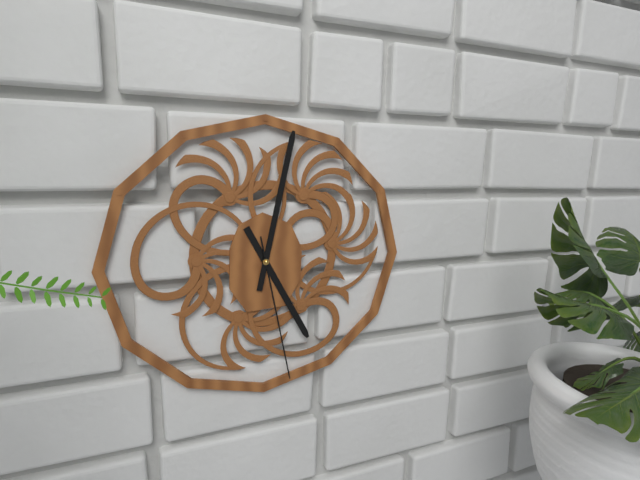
5:02:28
